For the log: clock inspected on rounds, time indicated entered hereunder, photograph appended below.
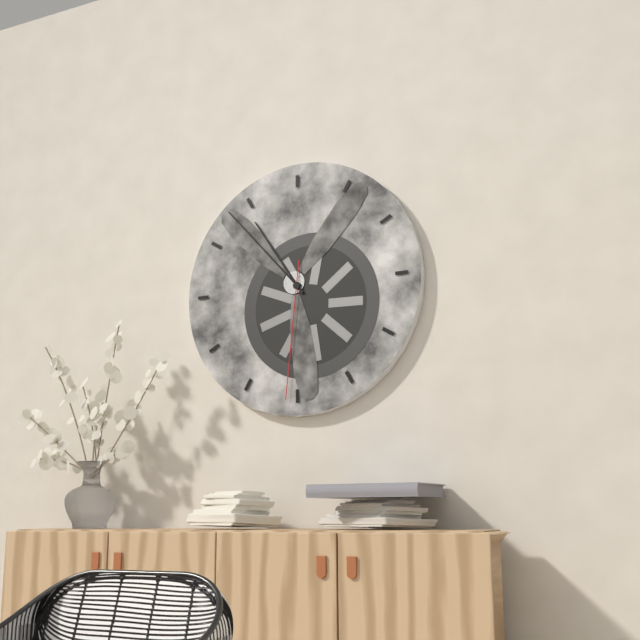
10:53:31
